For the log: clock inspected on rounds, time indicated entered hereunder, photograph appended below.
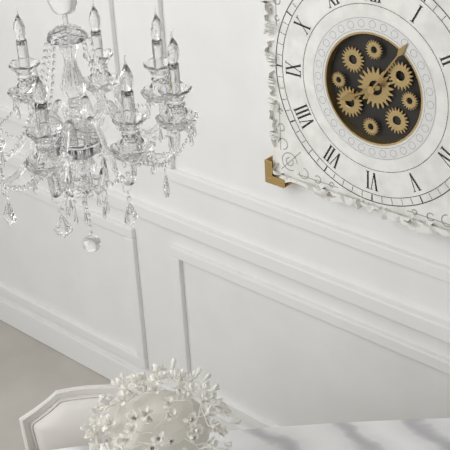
8:06
